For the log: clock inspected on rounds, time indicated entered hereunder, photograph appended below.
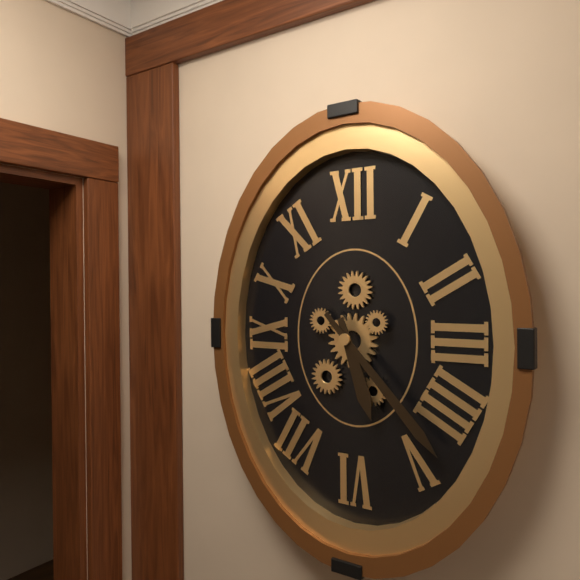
5:23
